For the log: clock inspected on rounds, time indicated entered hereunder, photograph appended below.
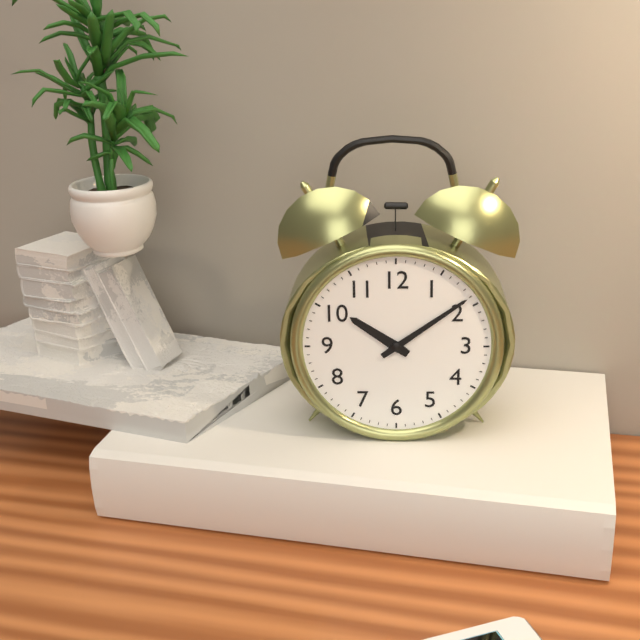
10:09
